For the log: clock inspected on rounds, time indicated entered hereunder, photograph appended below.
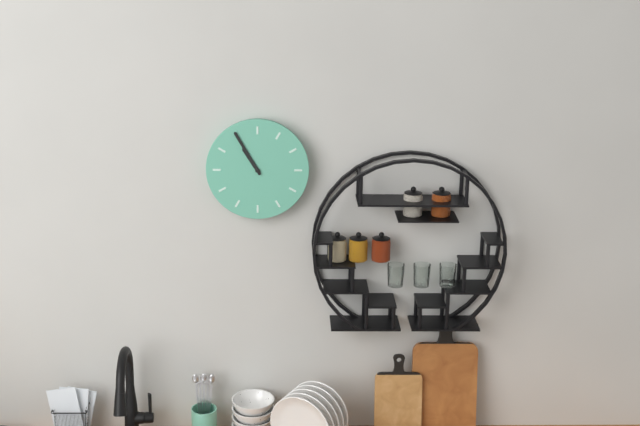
10:55
